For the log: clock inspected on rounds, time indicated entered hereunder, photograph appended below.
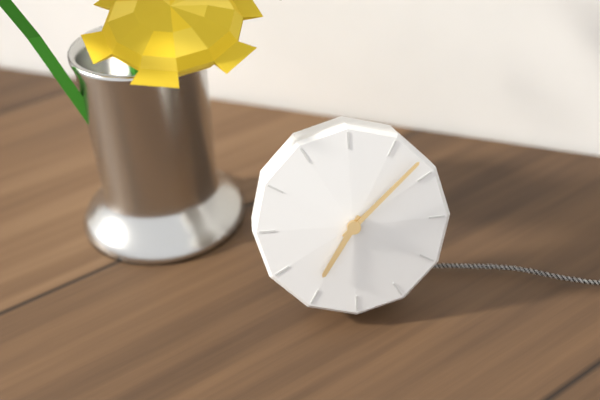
7:08
